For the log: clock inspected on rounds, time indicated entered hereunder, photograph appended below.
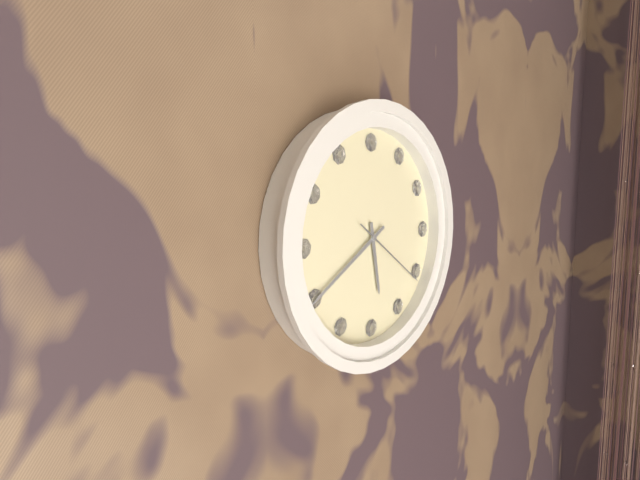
5:40:21
